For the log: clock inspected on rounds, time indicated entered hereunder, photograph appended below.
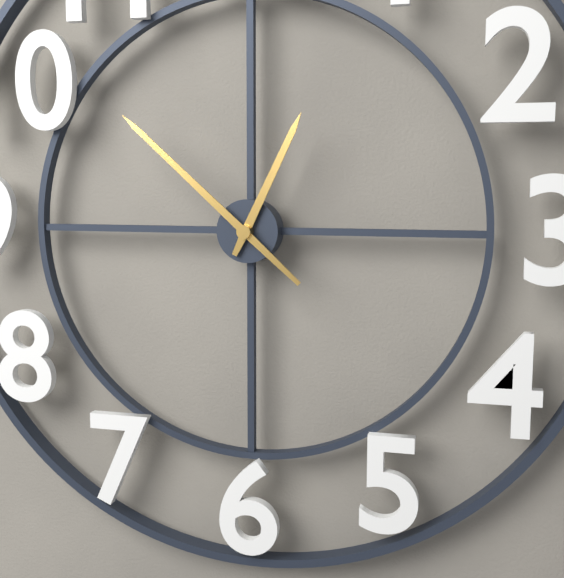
12:52
